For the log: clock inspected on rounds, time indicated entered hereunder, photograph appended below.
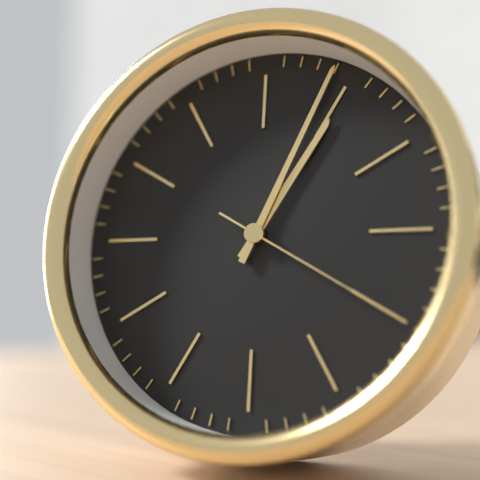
1:04:20
